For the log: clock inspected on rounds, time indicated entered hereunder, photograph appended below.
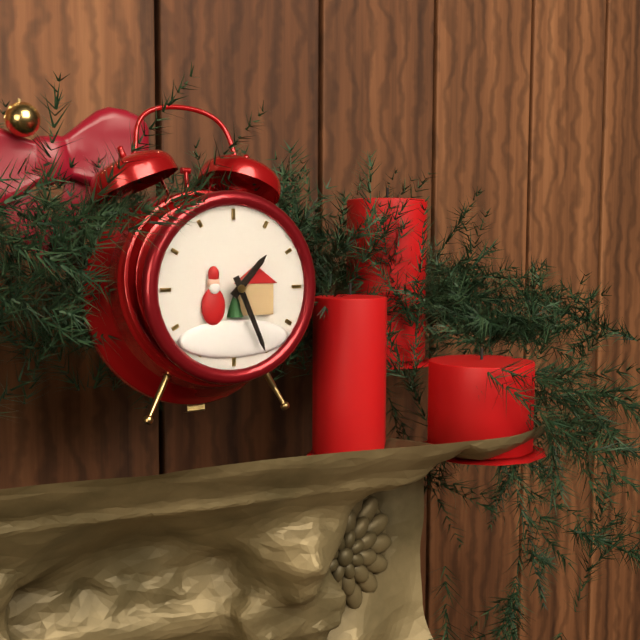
1:26
